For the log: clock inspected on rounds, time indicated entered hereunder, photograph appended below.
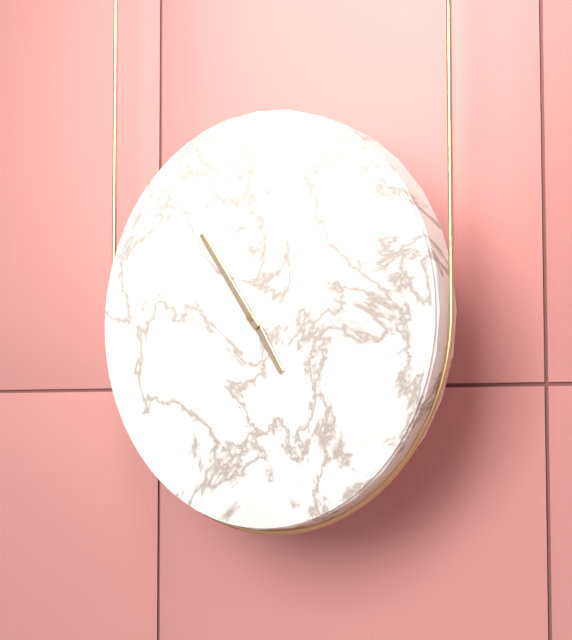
4:54
